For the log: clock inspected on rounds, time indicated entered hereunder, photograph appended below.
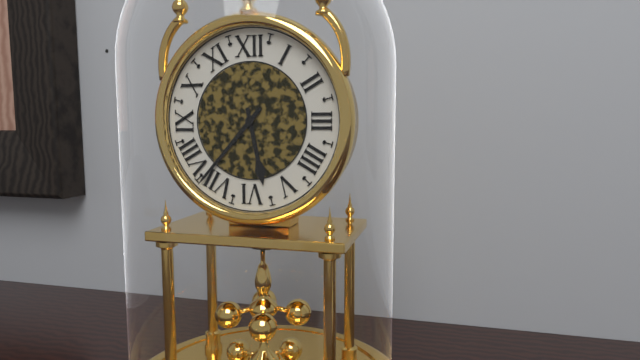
5:37
